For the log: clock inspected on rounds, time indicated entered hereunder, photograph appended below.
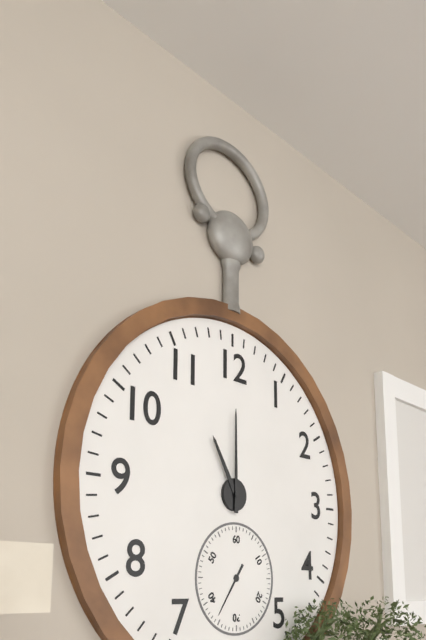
11:00
